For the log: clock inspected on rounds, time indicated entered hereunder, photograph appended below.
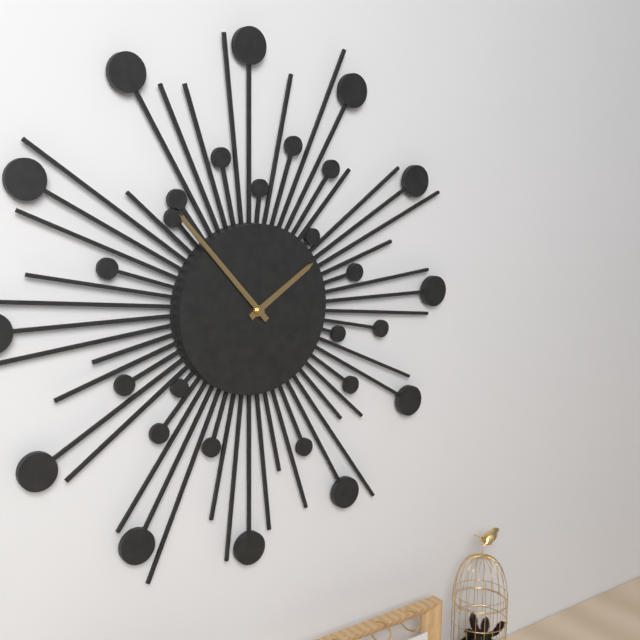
1:53
